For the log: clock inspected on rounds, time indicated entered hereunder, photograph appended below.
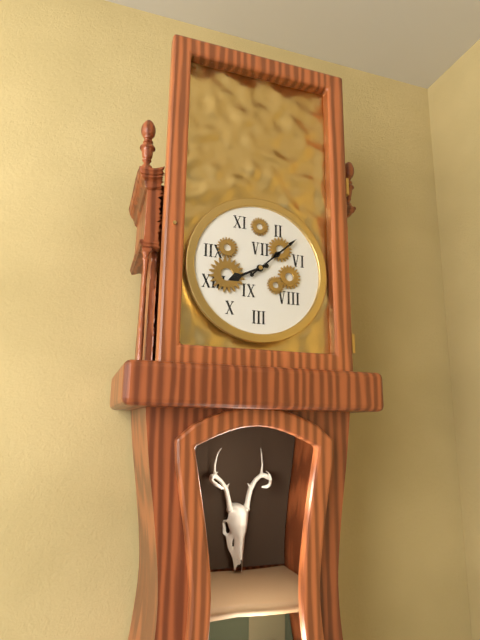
8:08
